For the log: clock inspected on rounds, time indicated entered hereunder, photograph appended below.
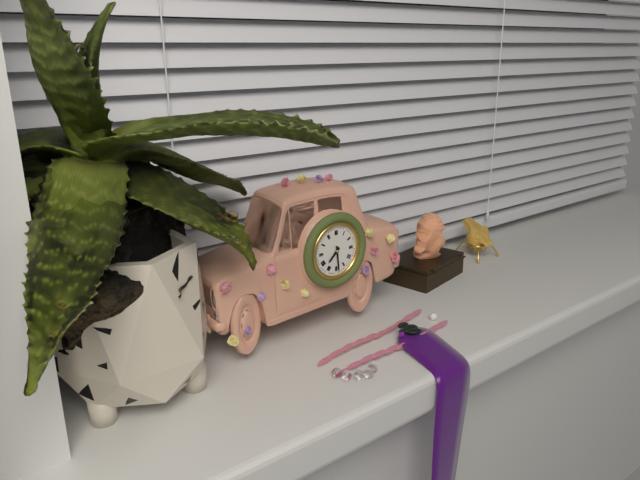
7:29
